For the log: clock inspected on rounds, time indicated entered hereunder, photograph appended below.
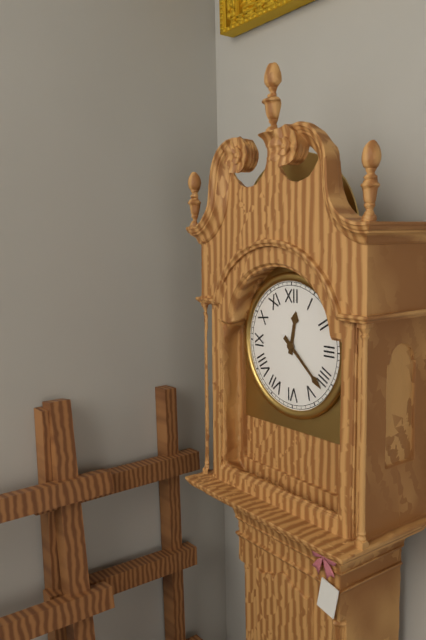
12:22
